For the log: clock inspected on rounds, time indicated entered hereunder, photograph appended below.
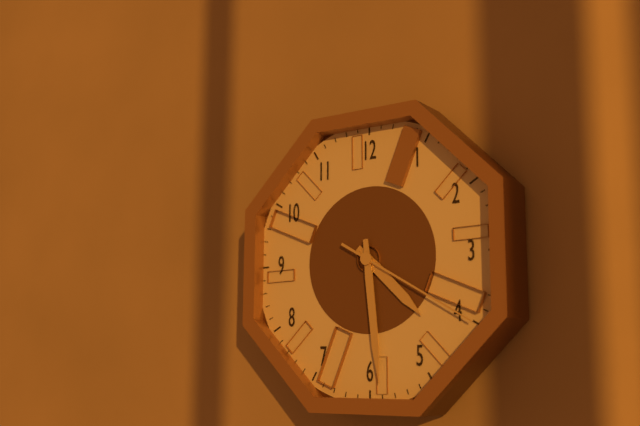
4:29:20
